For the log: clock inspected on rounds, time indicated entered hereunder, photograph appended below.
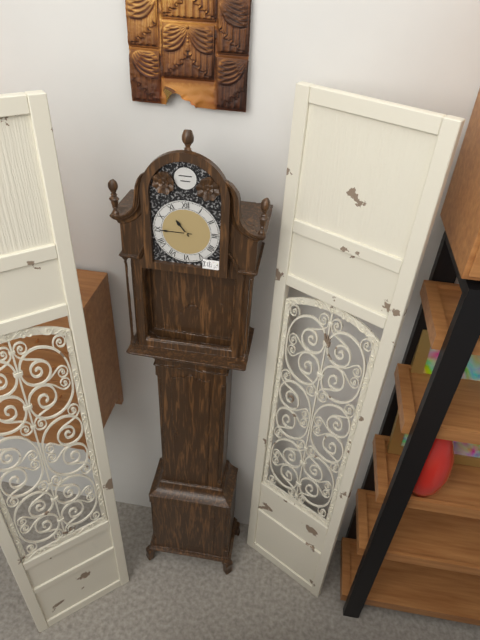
10:45
